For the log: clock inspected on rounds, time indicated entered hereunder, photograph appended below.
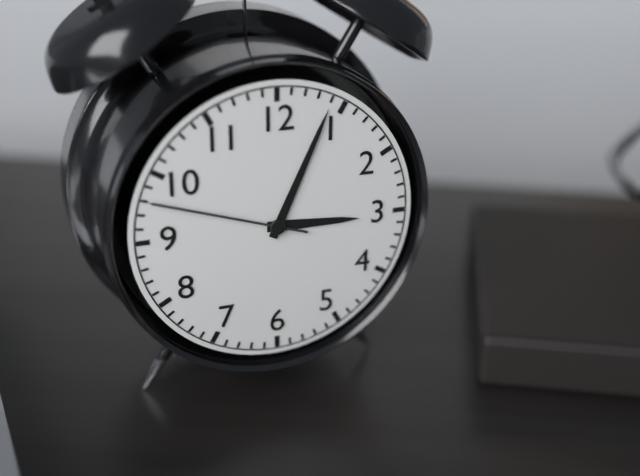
3:04:48
